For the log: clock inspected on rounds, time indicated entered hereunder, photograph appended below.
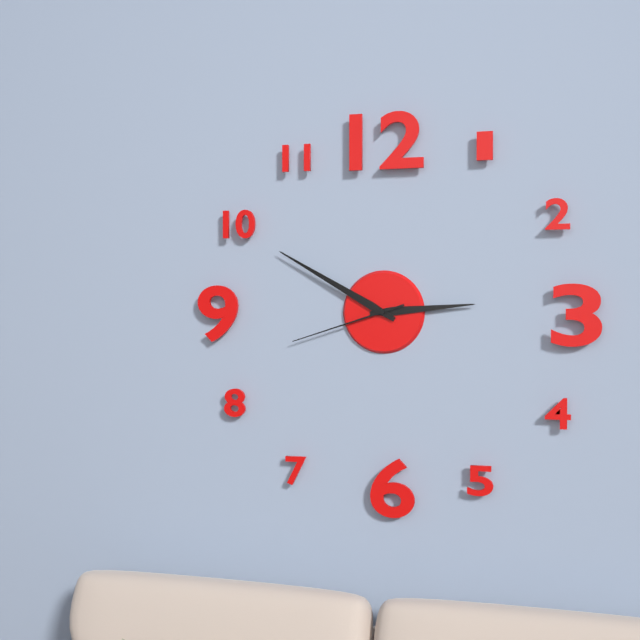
2:50:42
